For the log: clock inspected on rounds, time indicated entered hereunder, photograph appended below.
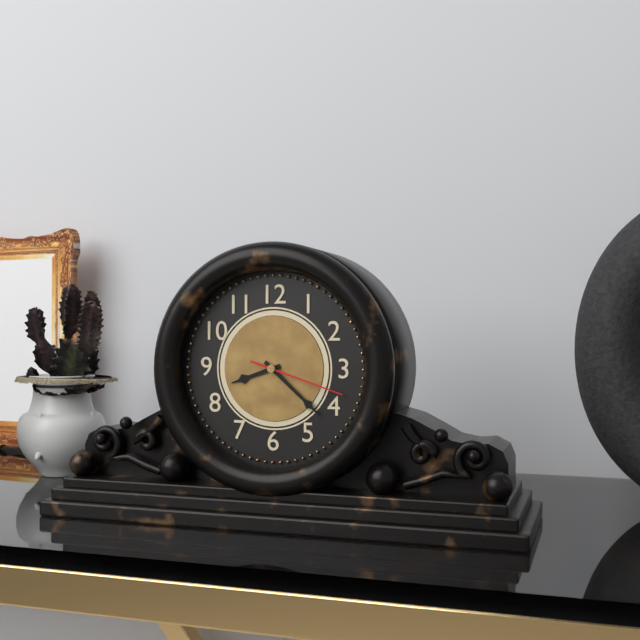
8:22:18
